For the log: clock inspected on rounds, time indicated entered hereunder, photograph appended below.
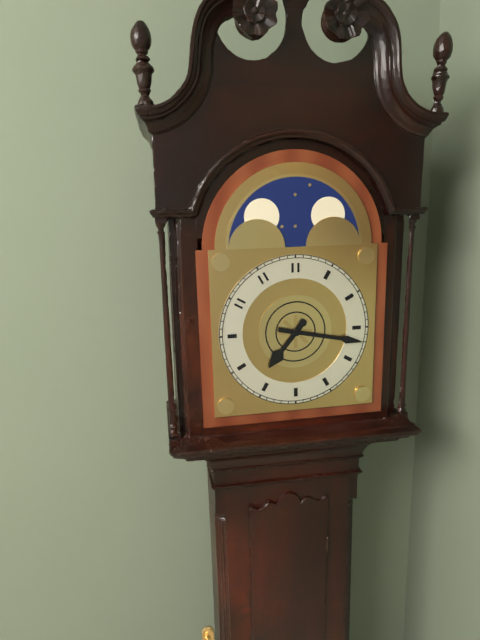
7:17
